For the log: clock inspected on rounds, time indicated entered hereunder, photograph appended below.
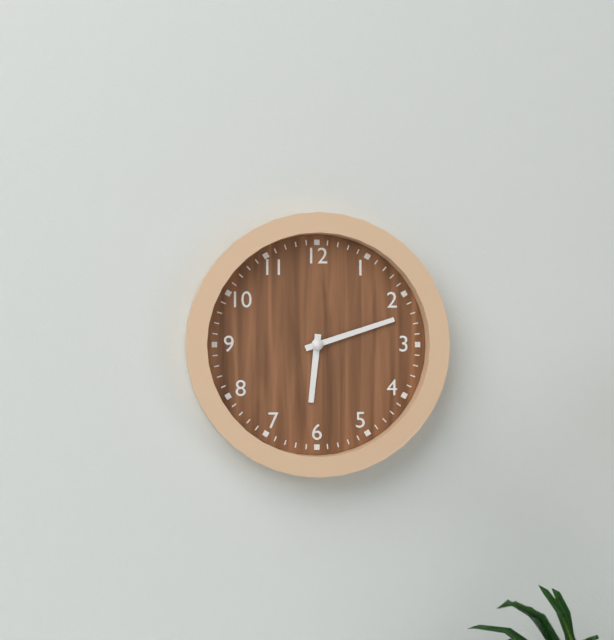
6:12
